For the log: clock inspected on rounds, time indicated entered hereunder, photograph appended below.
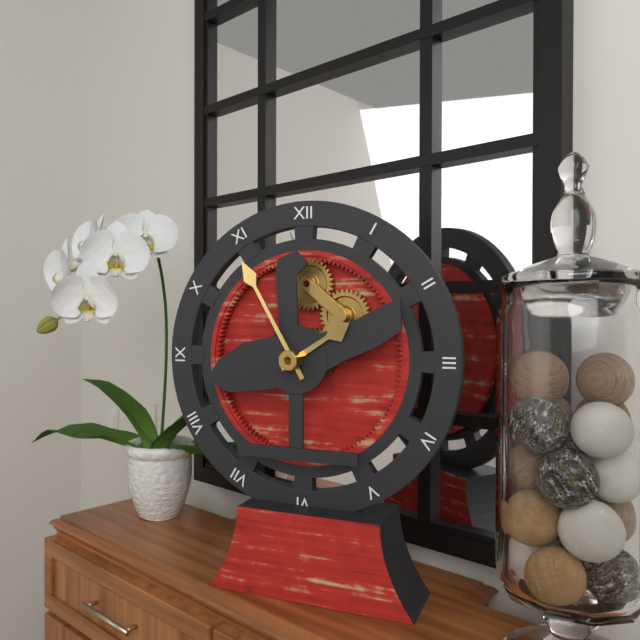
1:55
